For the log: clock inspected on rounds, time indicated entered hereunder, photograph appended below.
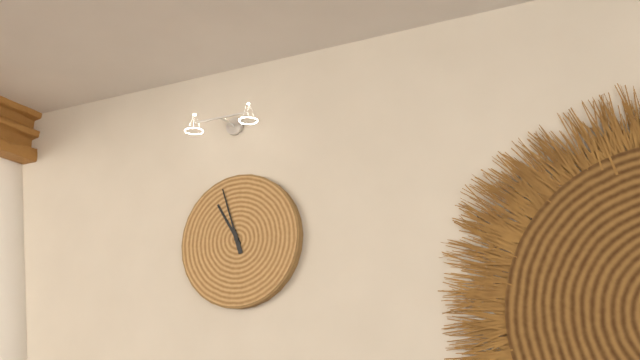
10:57
